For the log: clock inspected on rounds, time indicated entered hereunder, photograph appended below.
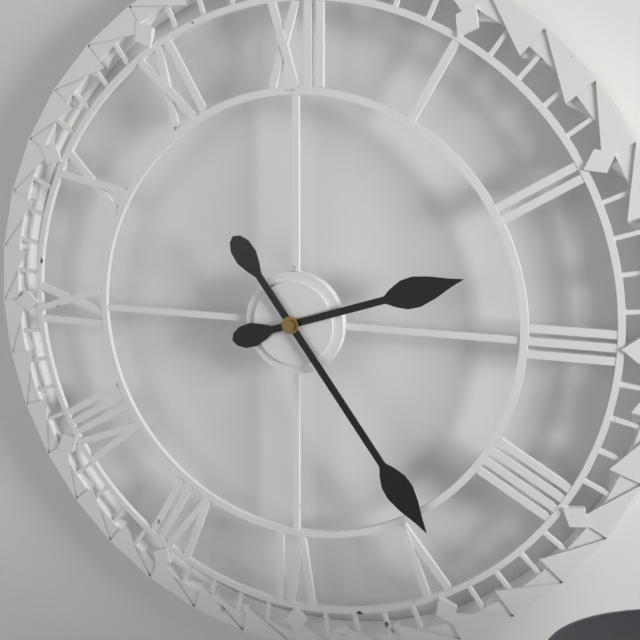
2:24
